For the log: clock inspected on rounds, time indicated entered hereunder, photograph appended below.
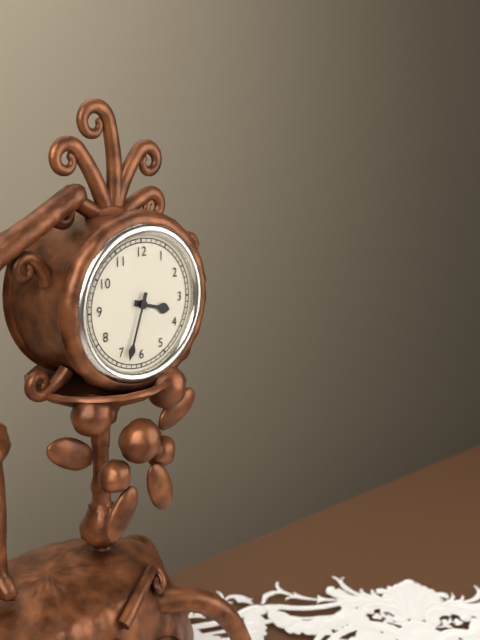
3:33
